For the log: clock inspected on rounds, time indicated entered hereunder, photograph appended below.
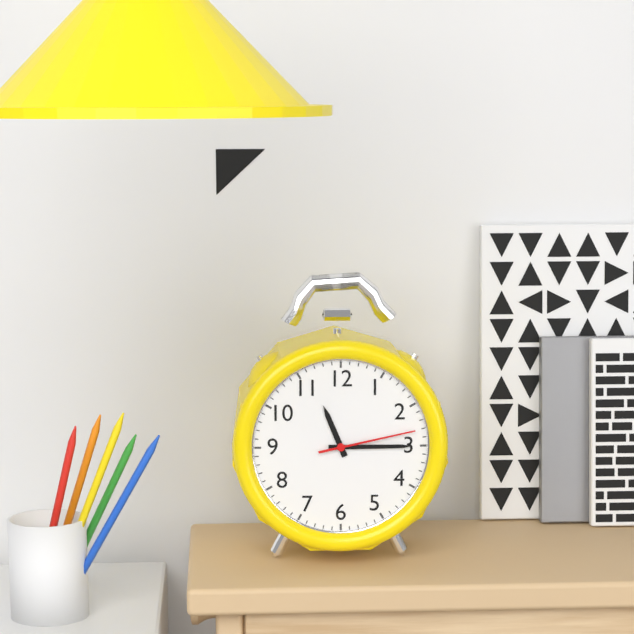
11:15:13
